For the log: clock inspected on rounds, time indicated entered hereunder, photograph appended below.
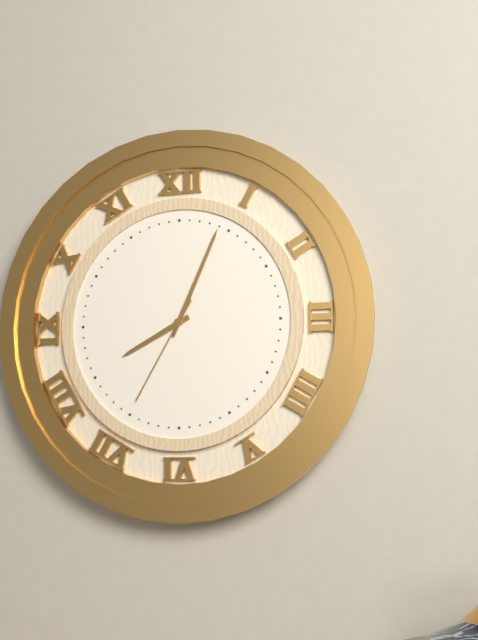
8:04:35
